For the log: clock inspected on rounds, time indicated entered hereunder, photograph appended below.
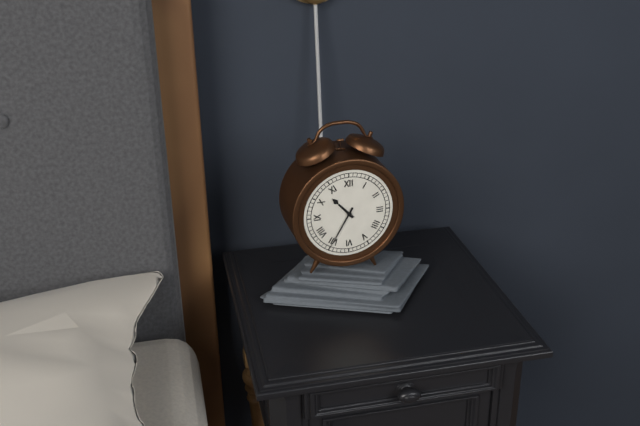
10:35
